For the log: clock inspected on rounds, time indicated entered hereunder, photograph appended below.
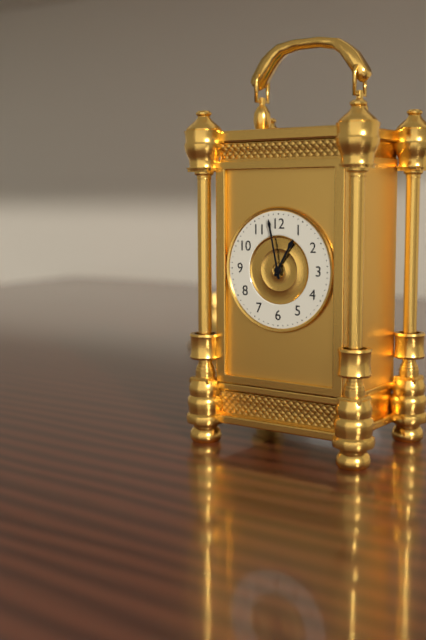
12:58
